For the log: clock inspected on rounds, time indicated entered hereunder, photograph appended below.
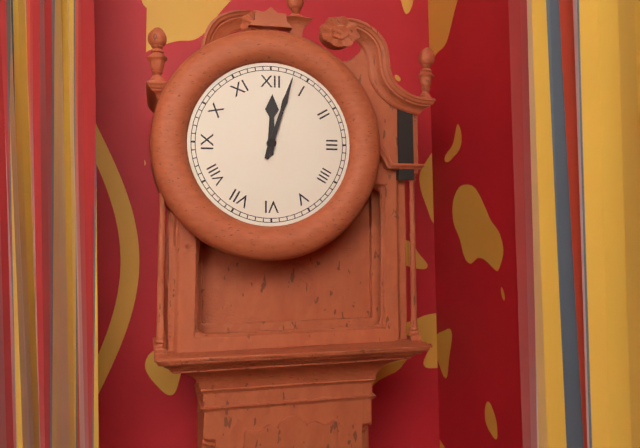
12:03
